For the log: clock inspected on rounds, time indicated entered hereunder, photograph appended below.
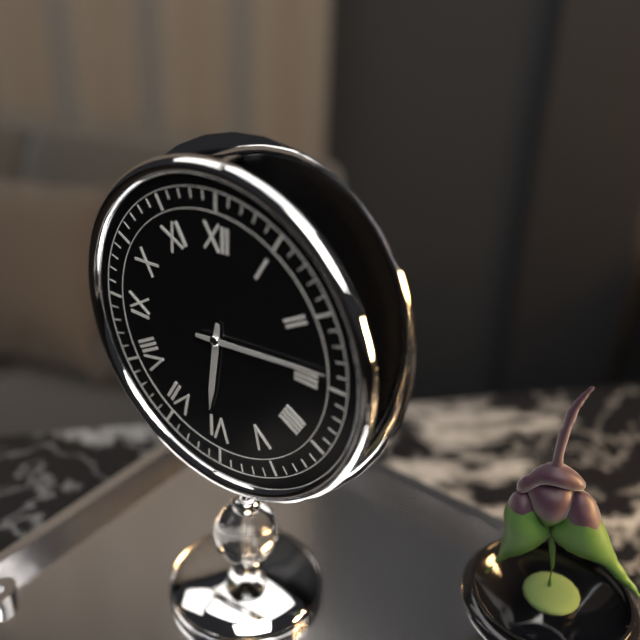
6:14
